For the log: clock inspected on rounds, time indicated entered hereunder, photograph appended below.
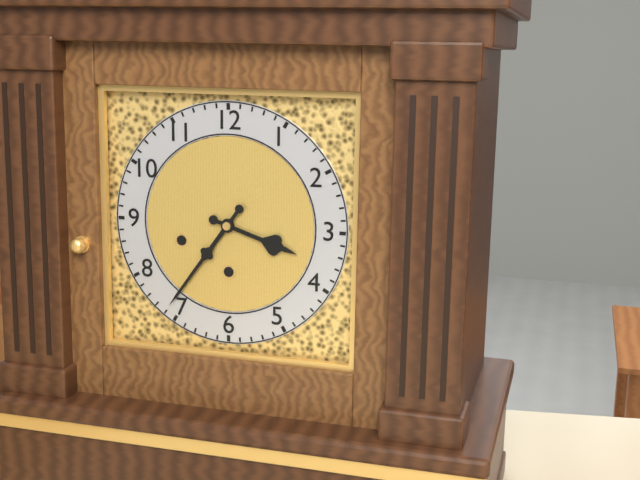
3:36
